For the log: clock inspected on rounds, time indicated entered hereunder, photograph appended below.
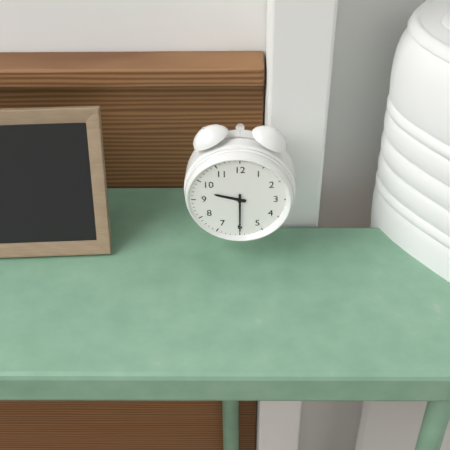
9:30
